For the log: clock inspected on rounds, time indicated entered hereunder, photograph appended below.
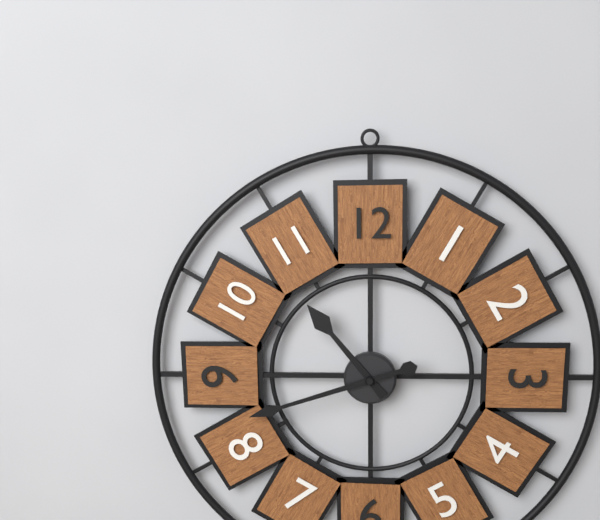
10:42
